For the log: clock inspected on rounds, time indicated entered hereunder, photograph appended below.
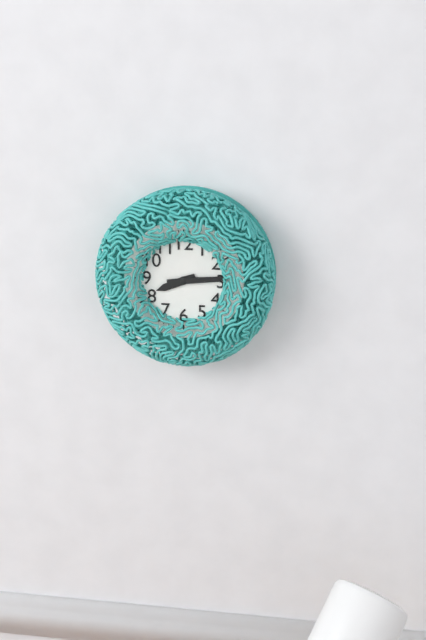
8:14
